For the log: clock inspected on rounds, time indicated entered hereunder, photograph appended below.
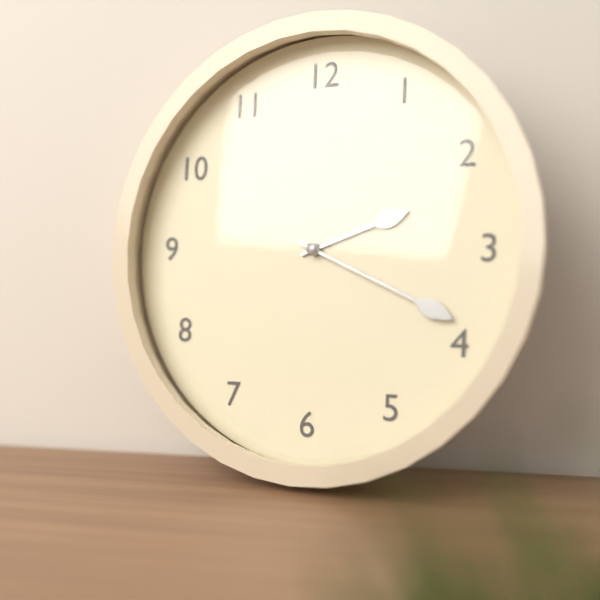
2:19
